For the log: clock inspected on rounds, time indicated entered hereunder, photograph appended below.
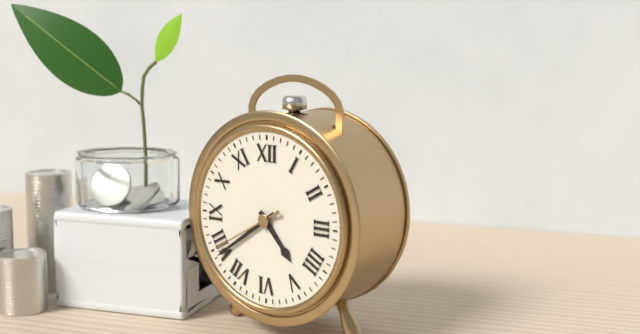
4:39:40
